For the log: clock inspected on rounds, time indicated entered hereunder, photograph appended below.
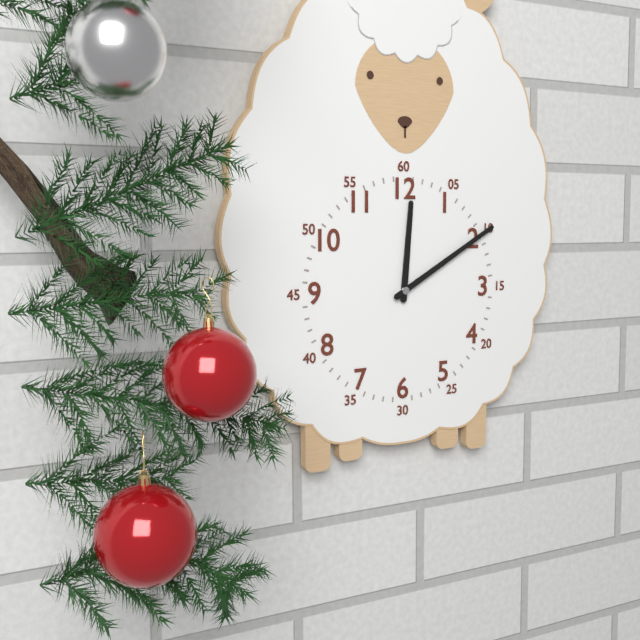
12:10
